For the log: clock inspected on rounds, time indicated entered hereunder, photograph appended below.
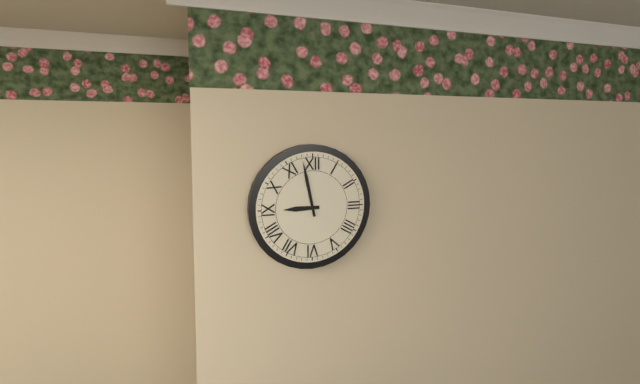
8:58
